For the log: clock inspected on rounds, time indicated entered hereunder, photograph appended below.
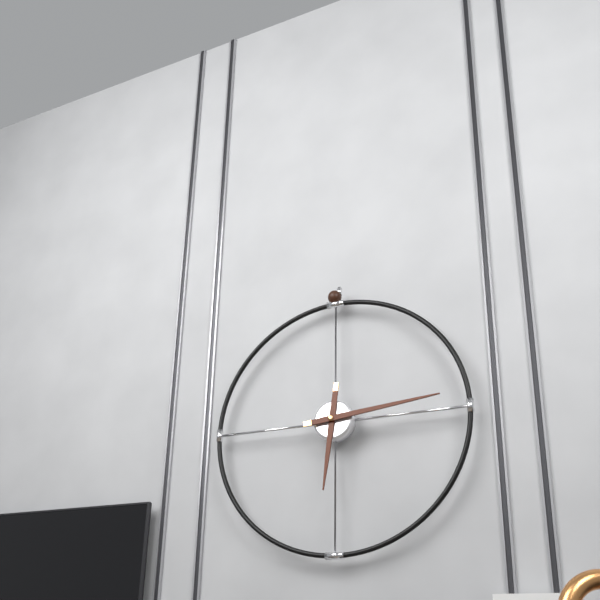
6:14
